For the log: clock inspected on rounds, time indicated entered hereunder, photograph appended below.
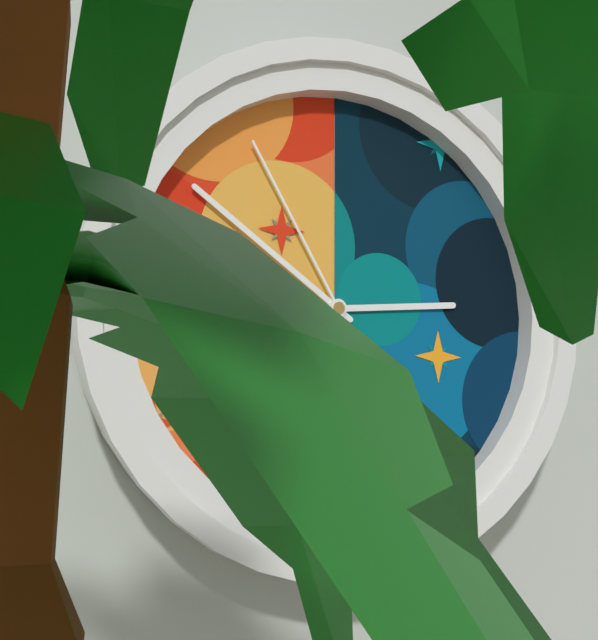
2:51:55
